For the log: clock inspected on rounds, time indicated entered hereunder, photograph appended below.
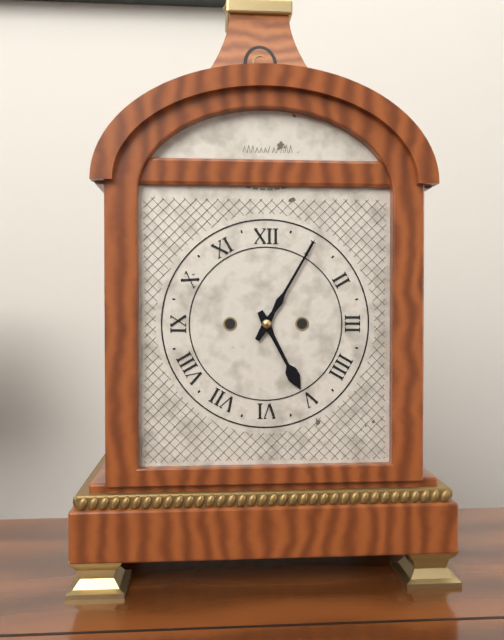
5:05
